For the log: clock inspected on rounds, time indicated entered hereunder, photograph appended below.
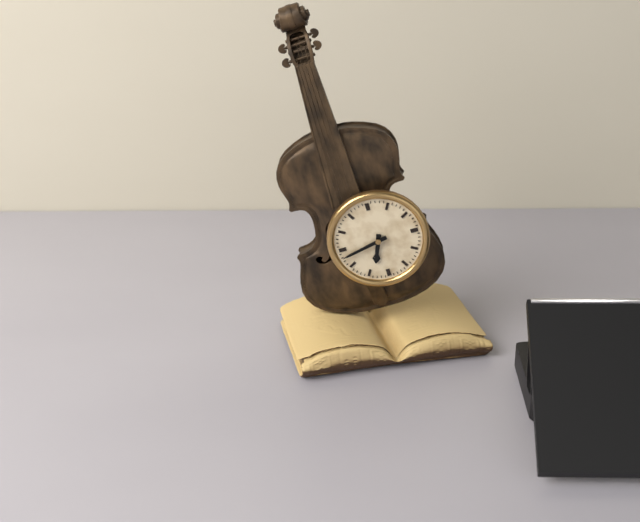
6:43
